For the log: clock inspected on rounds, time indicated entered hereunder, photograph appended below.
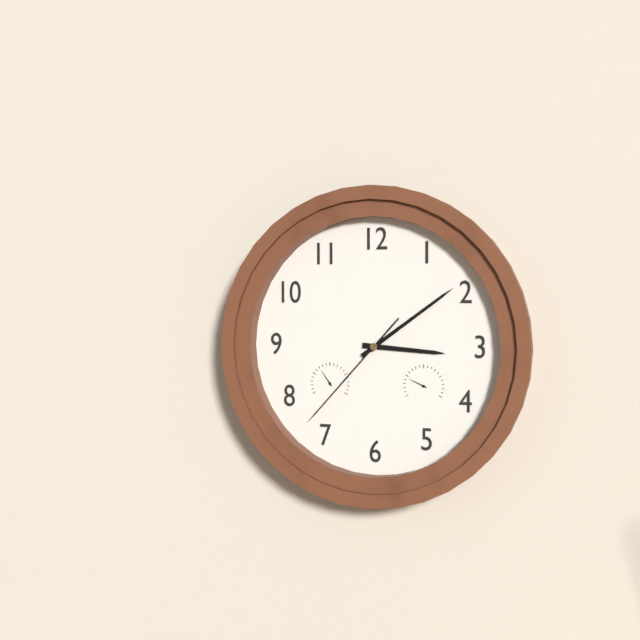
3:09:37
